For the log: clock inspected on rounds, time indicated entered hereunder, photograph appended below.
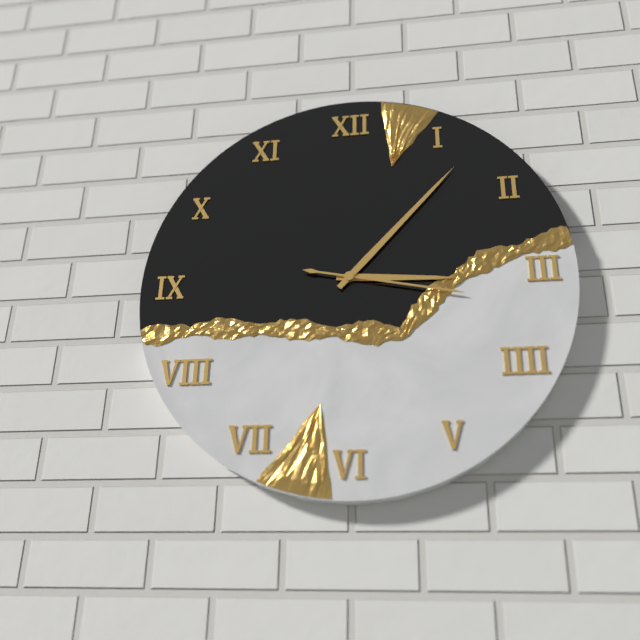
3:07:17
